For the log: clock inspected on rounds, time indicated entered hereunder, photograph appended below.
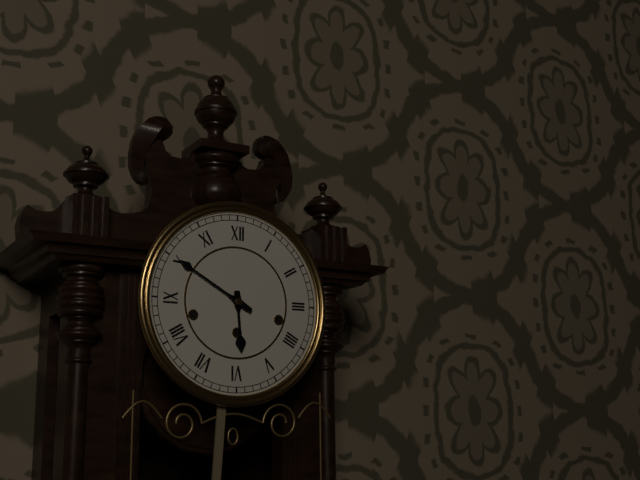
5:50
